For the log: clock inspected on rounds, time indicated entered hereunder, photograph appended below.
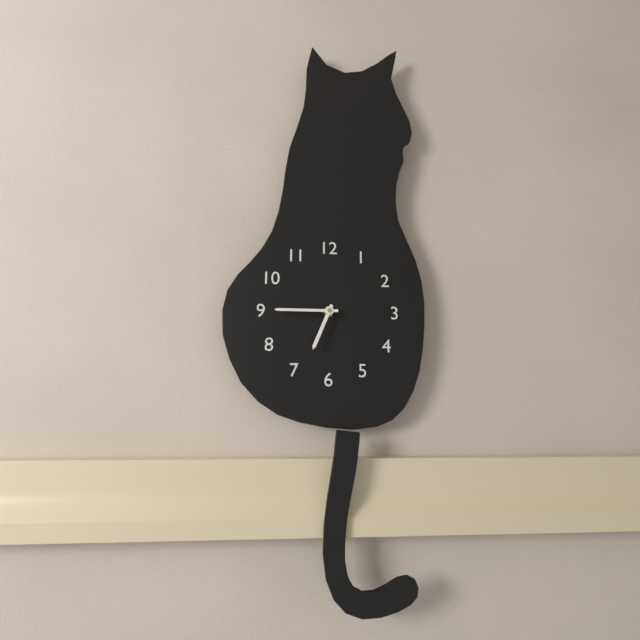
6:45
